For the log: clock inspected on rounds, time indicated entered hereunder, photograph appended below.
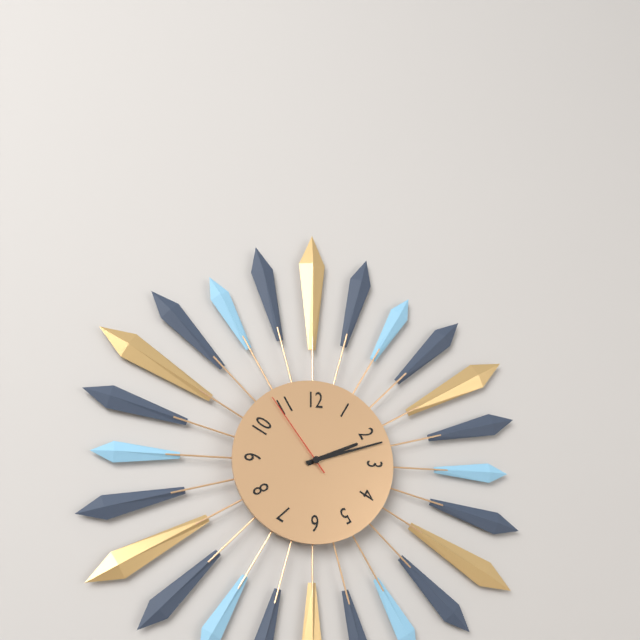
2:12:54
